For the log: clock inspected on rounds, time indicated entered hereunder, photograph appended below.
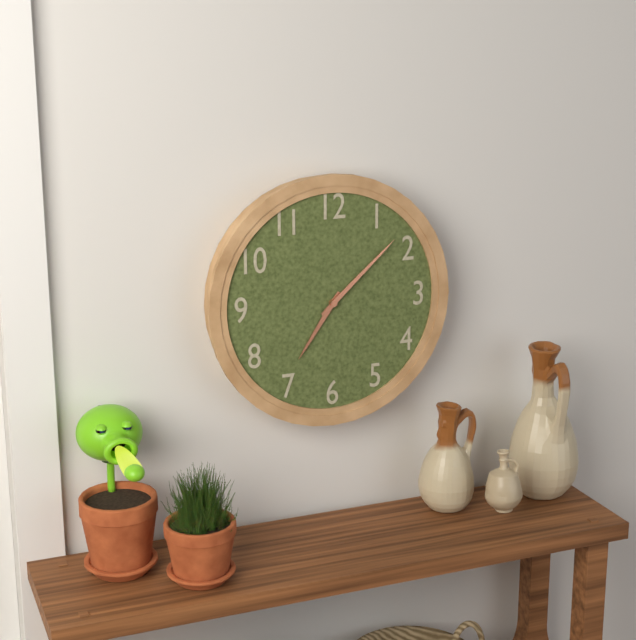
7:08
